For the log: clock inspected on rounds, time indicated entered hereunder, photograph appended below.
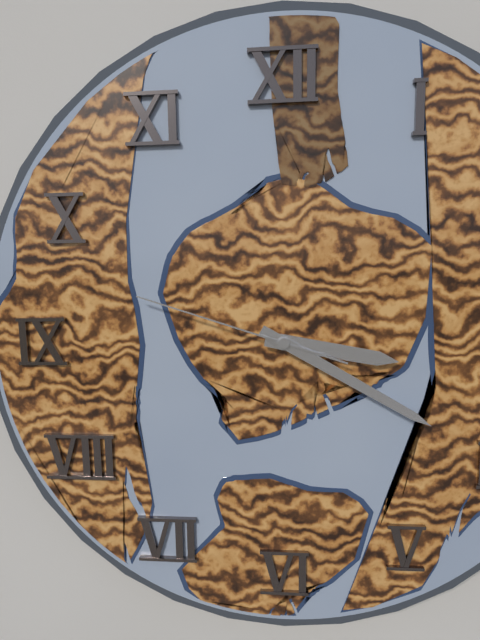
3:20:48
